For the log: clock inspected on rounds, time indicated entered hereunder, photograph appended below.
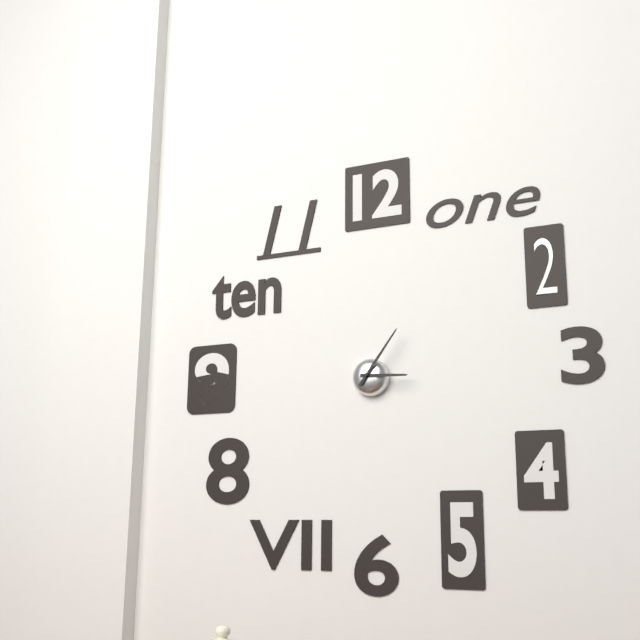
3:06
